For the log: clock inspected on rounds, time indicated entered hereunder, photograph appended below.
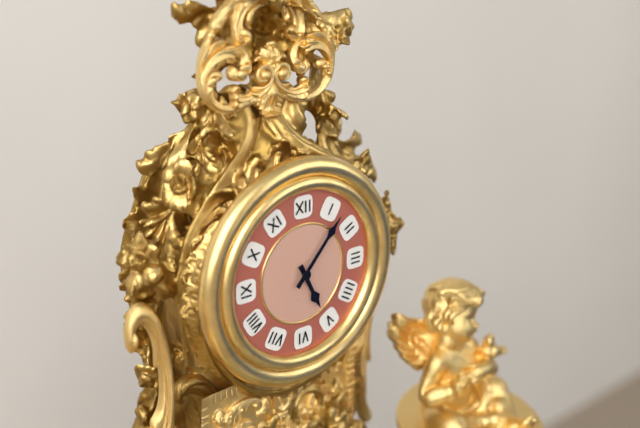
5:07
